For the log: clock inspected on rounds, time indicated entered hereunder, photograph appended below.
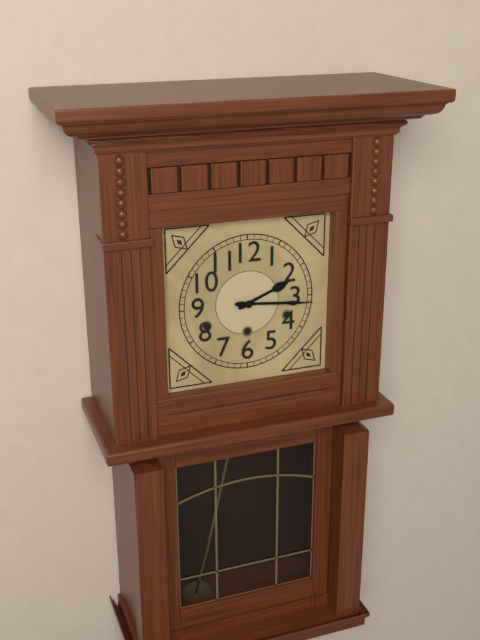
2:16
